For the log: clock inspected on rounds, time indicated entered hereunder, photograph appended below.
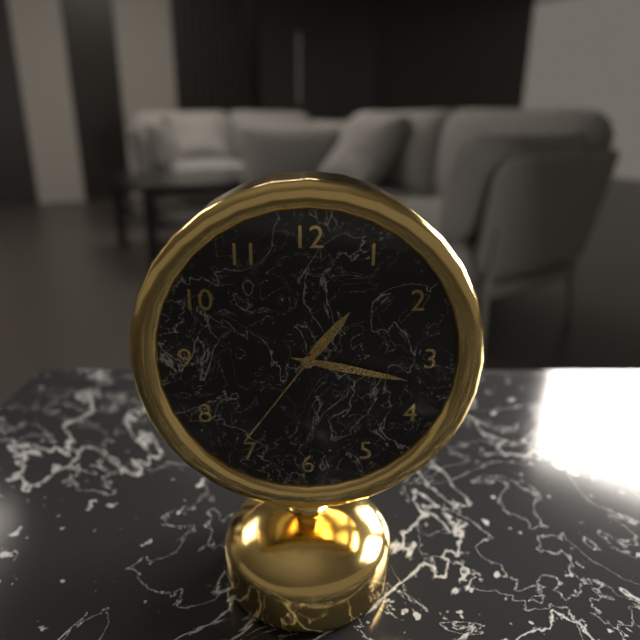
1:17:36
